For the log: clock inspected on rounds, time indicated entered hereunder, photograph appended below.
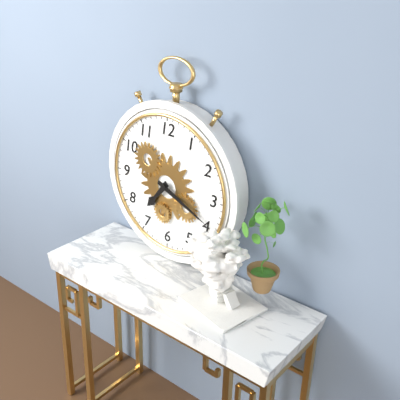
7:19
